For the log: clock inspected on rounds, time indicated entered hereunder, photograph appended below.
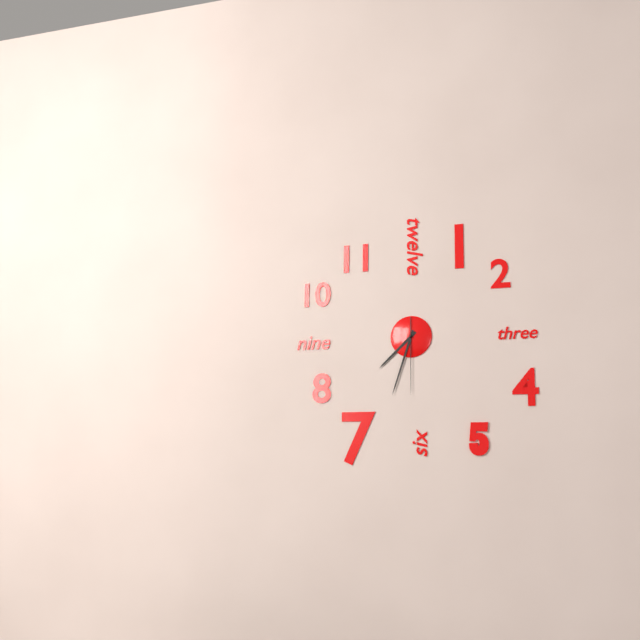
7:33:30
